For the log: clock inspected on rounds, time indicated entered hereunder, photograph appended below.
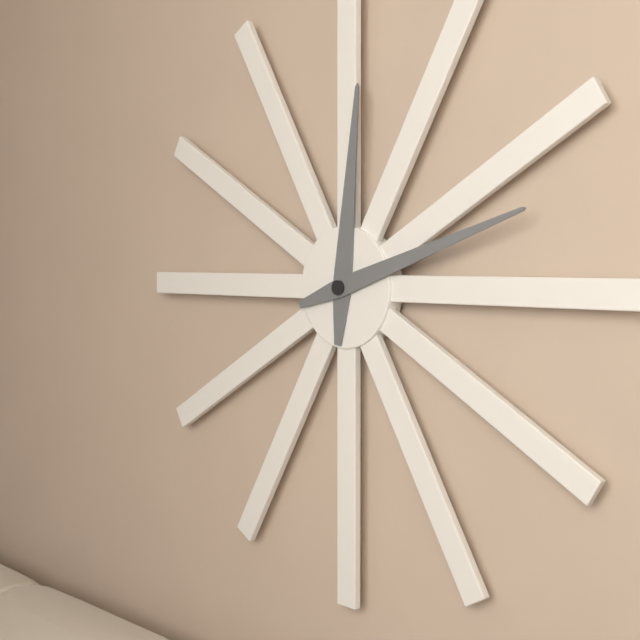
12:12
